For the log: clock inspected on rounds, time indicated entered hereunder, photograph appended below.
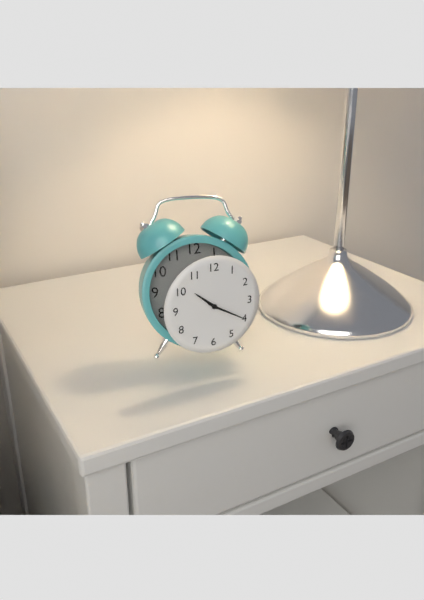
10:20
